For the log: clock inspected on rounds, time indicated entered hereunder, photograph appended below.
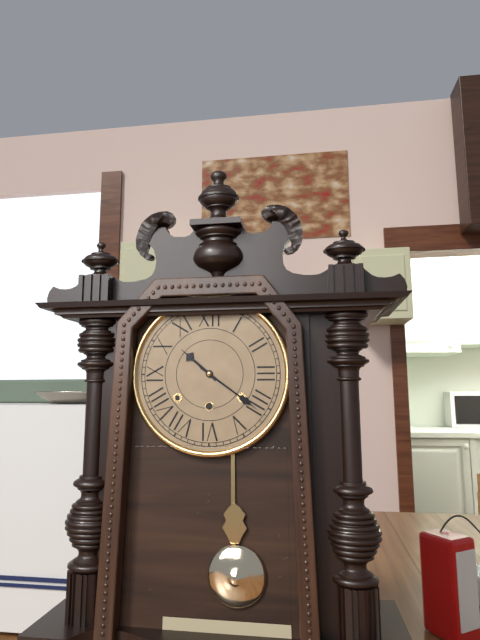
10:21
